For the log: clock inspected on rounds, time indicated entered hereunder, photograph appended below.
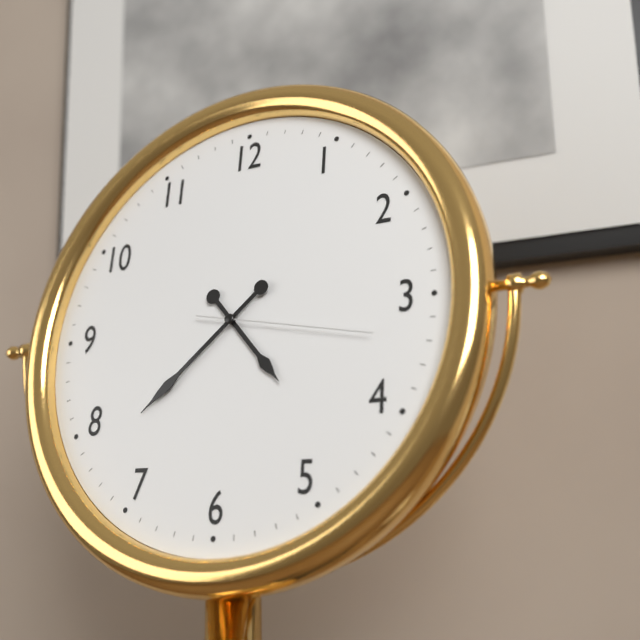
4:38:17
